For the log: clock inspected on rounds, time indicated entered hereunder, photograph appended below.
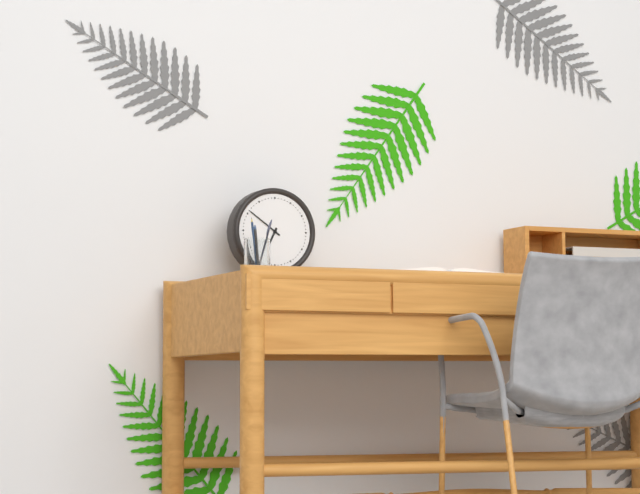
6:51
